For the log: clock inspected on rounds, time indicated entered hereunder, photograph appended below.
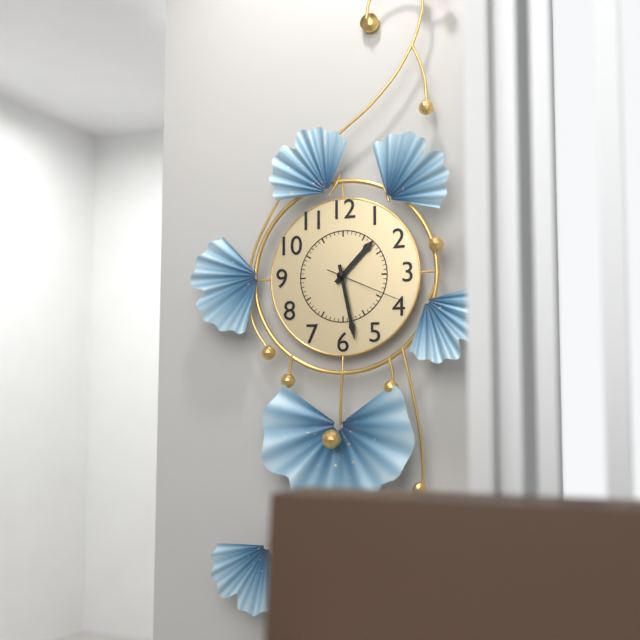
1:28:19
